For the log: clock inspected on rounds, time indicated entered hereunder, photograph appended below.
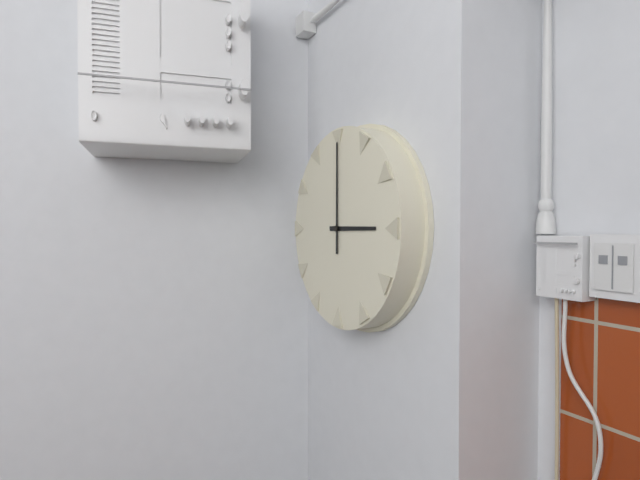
3:00
